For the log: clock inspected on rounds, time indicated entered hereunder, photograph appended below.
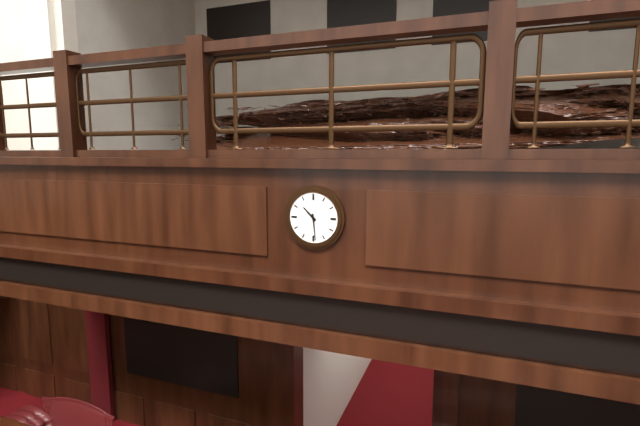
10:29
